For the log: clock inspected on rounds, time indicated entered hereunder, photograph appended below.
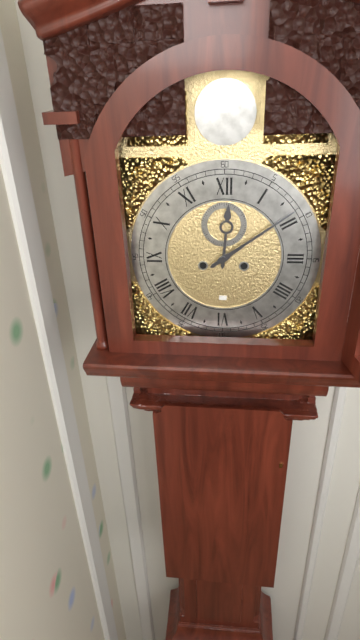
12:09
